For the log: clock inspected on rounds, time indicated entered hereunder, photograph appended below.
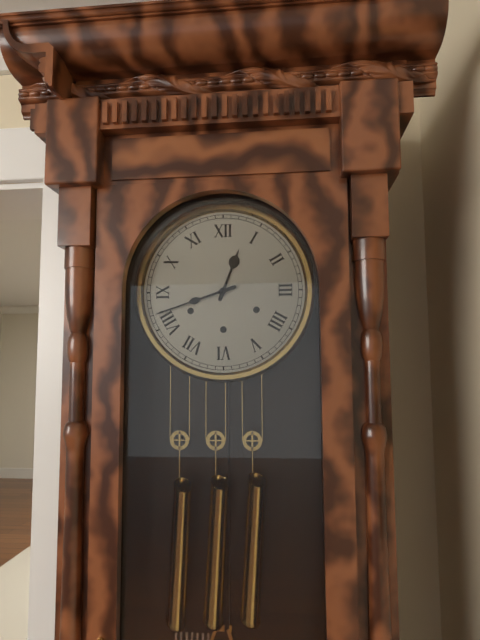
12:42
